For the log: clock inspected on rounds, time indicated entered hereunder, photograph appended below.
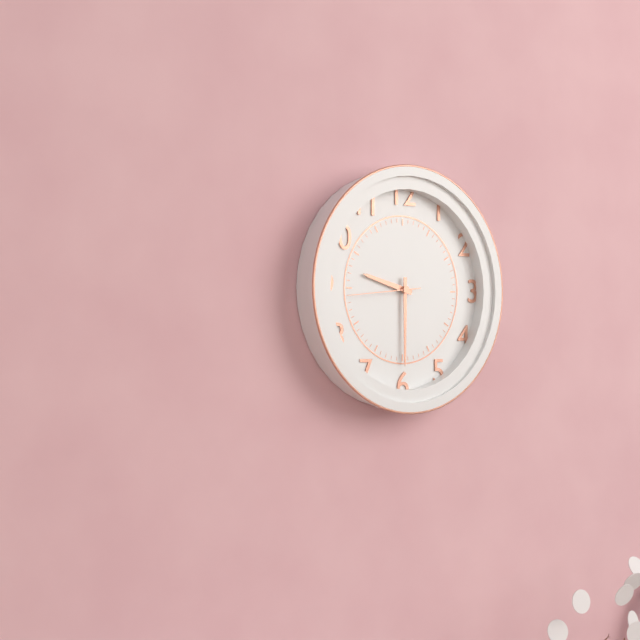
9:30:44
